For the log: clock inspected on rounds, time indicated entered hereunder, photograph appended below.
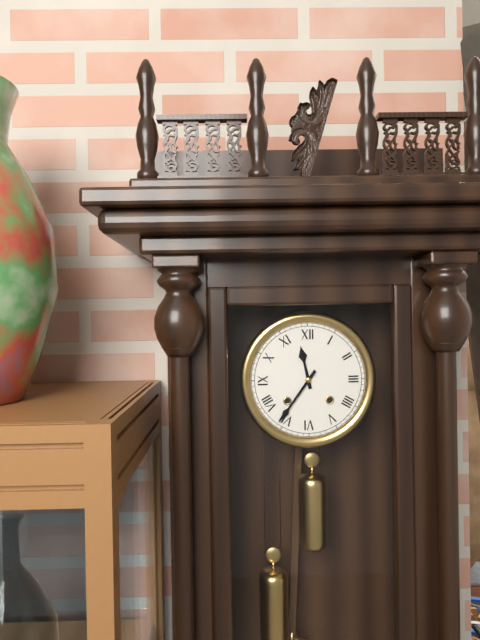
11:36
